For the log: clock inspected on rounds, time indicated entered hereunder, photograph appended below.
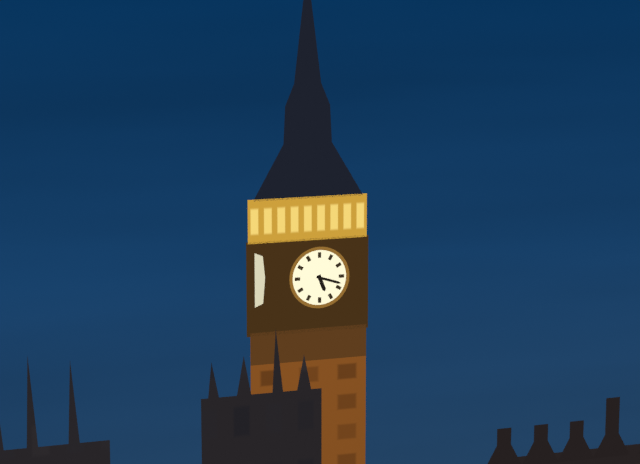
5:18
